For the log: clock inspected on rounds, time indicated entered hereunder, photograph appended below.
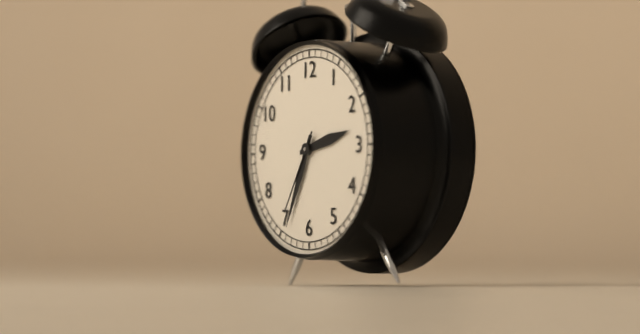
2:34:35
